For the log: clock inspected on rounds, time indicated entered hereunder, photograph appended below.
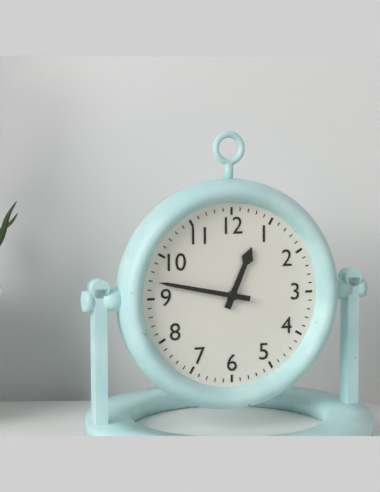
12:47
